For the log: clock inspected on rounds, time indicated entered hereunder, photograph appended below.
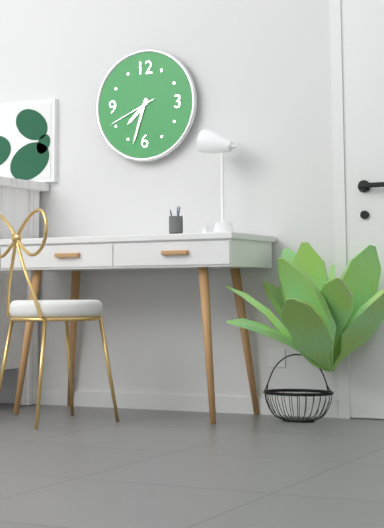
7:33
